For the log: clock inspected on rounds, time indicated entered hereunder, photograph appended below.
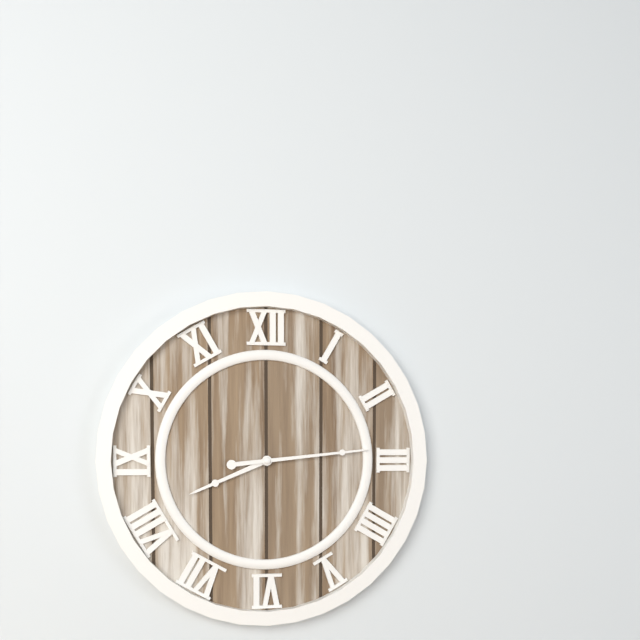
8:14
